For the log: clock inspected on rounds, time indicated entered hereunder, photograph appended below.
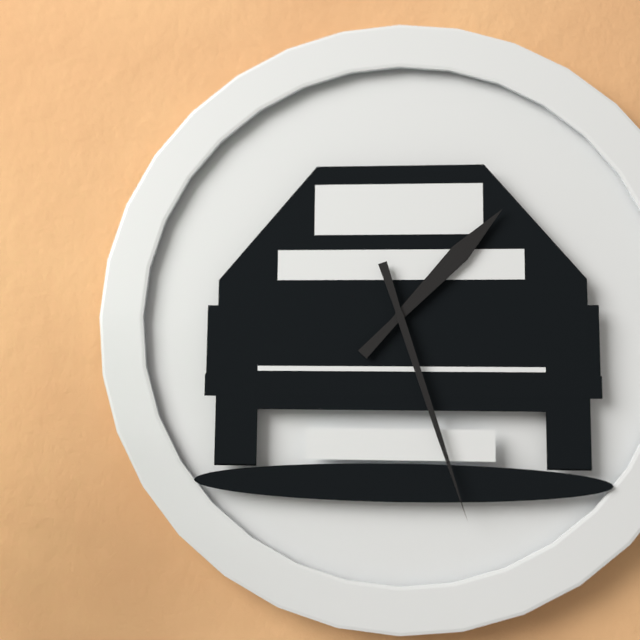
1:27
